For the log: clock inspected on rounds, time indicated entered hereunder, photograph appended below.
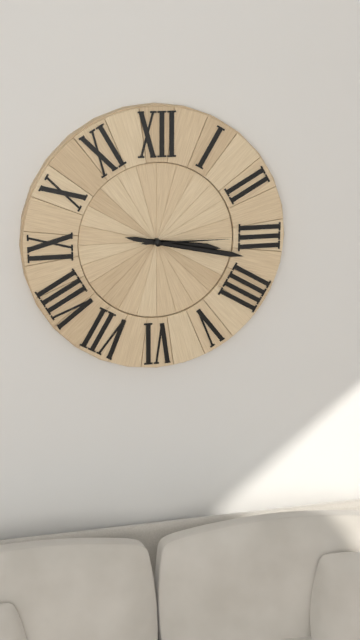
3:17:15
